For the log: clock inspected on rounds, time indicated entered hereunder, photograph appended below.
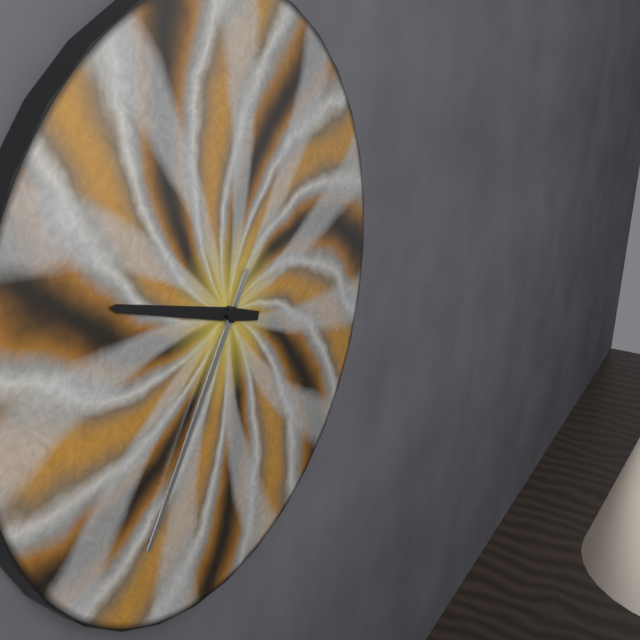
9:36
